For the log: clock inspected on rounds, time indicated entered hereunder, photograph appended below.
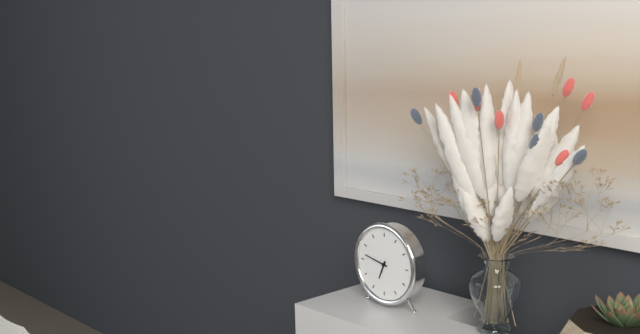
6:47
